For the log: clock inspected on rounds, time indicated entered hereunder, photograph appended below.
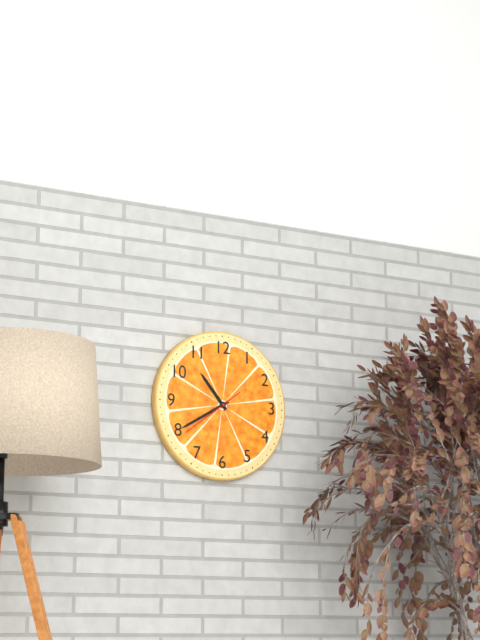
10:40:39
